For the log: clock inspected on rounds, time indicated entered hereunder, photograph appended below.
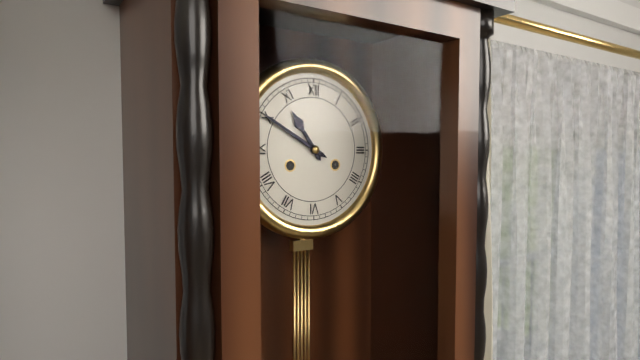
10:50
